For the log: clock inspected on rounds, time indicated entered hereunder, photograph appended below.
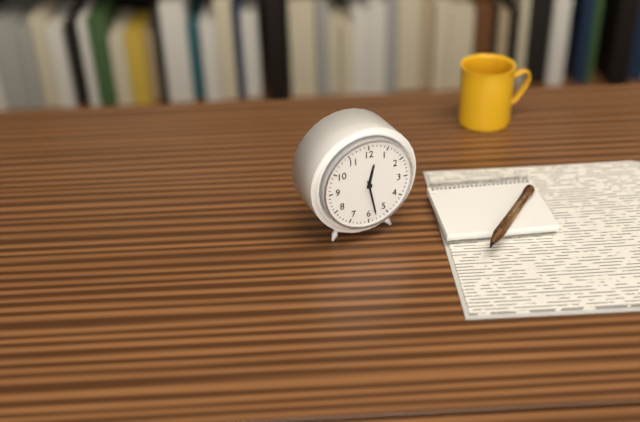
12:28
